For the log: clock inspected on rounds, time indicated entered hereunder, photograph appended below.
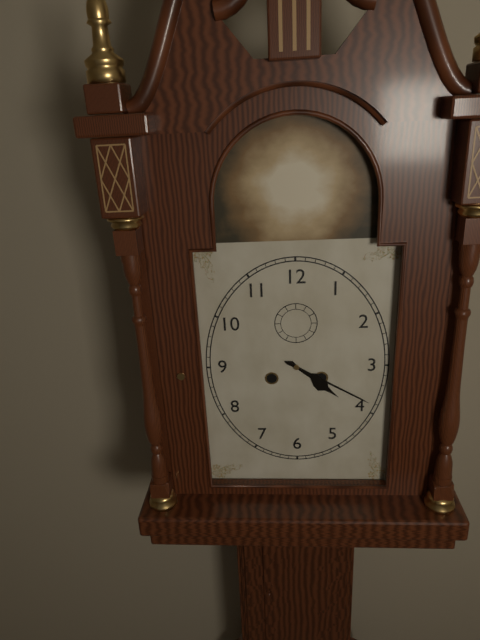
4:20
